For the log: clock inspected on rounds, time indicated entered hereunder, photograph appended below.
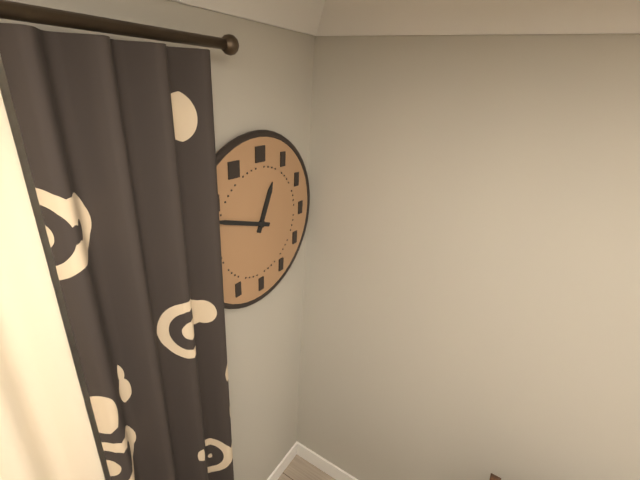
12:48
